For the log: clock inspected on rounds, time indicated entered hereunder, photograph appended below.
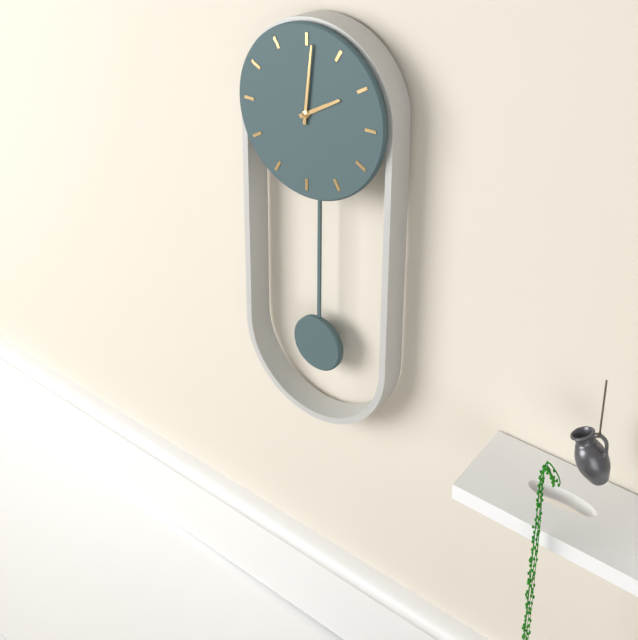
2:01
